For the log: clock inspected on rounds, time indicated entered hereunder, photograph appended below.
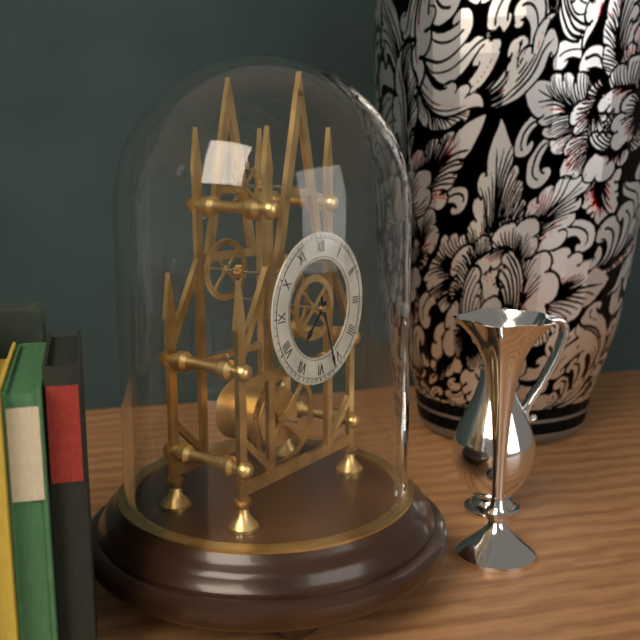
7:27
